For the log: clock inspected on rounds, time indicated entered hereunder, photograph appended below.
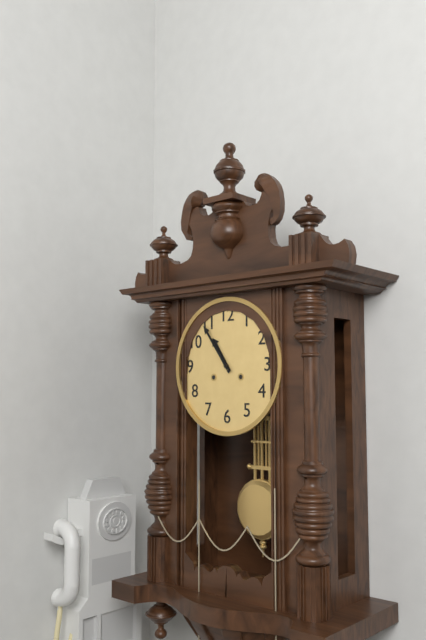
10:54
